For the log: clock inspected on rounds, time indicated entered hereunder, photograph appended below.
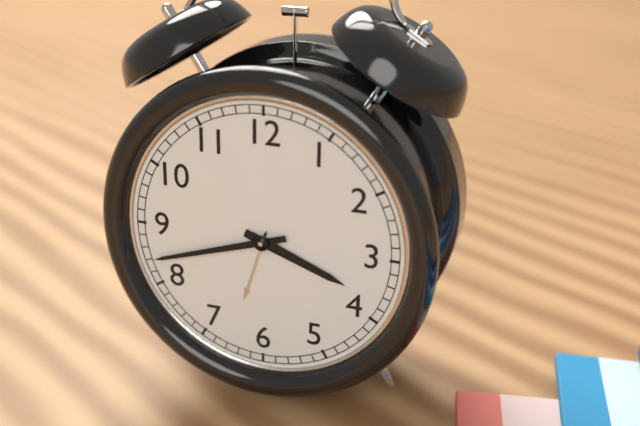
3:42
